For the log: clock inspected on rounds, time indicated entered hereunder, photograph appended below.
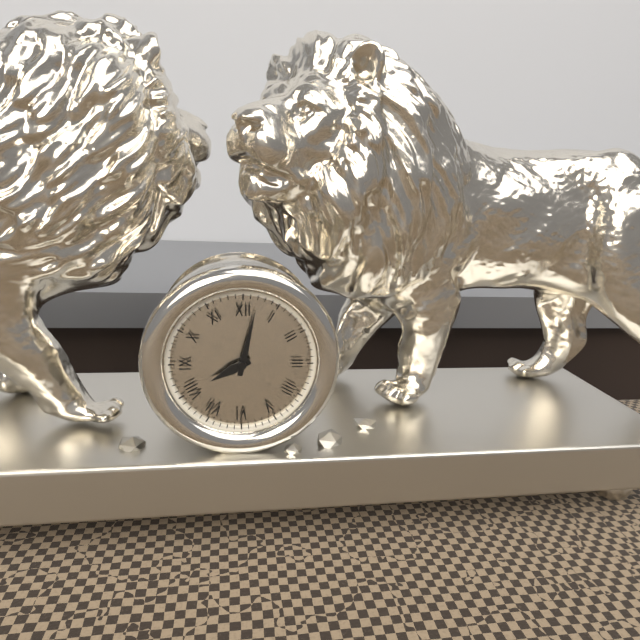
8:02
